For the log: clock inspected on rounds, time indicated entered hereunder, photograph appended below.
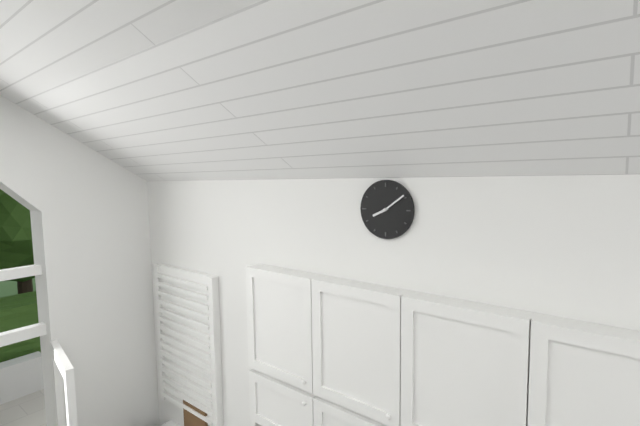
8:09
